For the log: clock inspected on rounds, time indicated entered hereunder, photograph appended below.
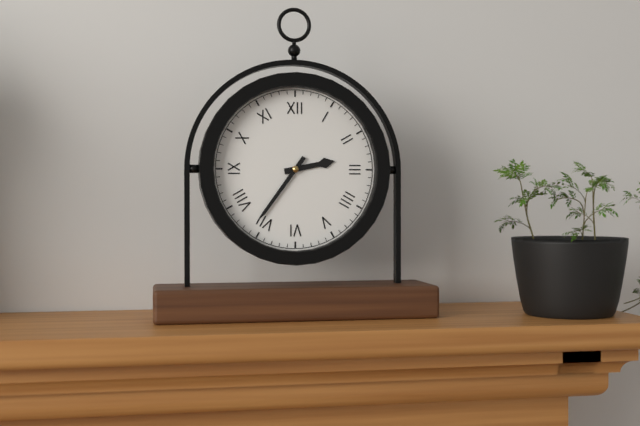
2:36
